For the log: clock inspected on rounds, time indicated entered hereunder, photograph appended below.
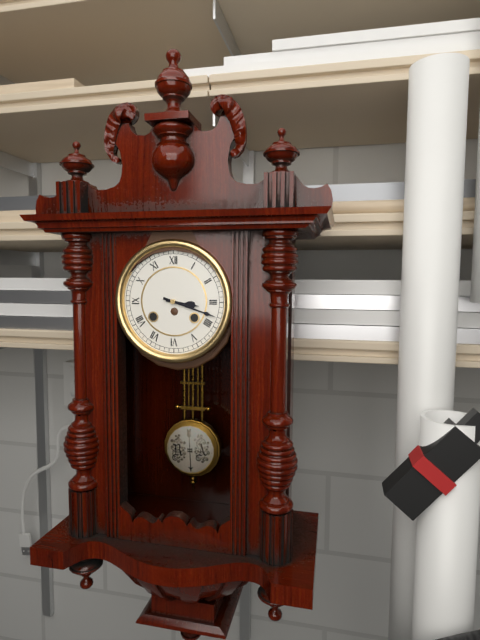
3:18
